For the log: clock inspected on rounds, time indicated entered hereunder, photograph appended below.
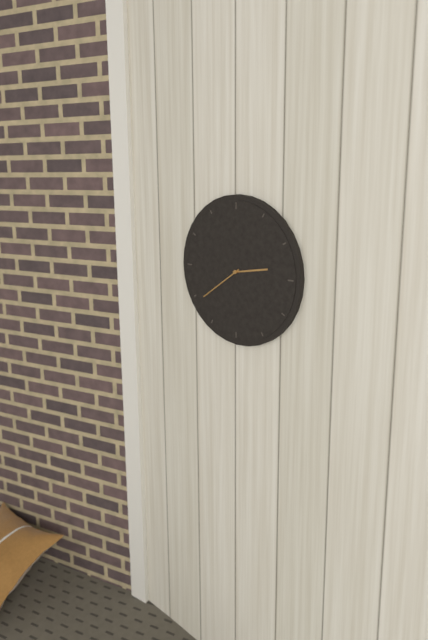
2:39
